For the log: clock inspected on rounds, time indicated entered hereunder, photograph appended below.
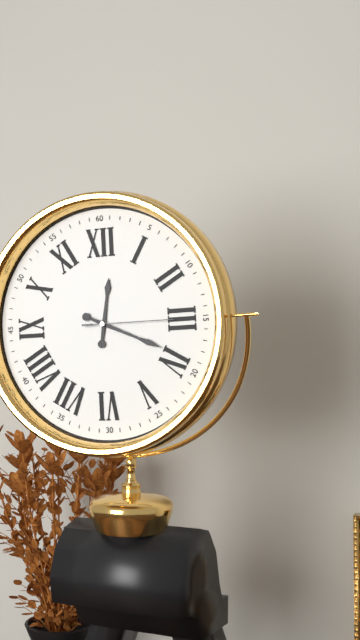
12:19:15
